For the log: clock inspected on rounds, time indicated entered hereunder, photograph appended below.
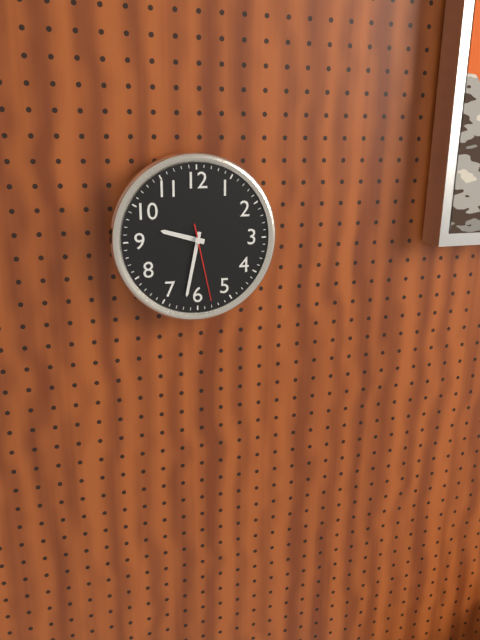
9:32:28
